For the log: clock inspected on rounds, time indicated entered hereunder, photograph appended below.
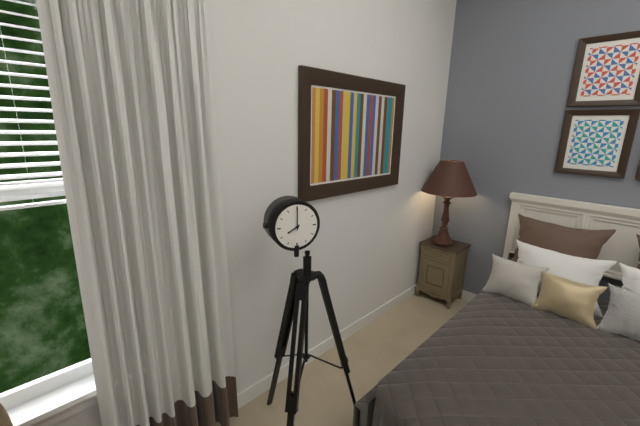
8:00
